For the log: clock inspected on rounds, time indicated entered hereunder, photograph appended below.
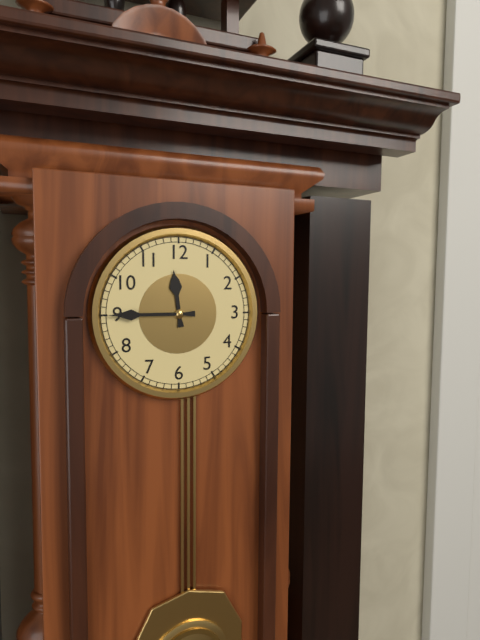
11:45
